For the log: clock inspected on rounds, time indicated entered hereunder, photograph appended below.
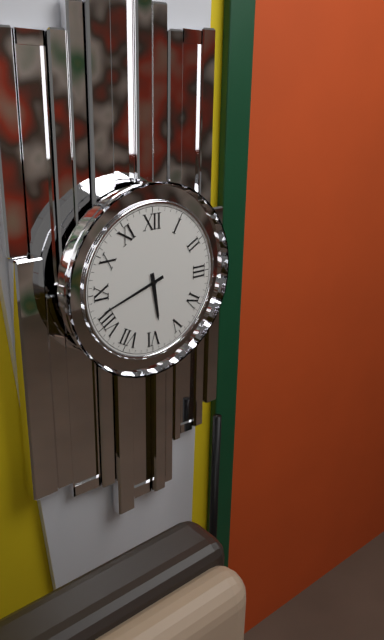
5:42
